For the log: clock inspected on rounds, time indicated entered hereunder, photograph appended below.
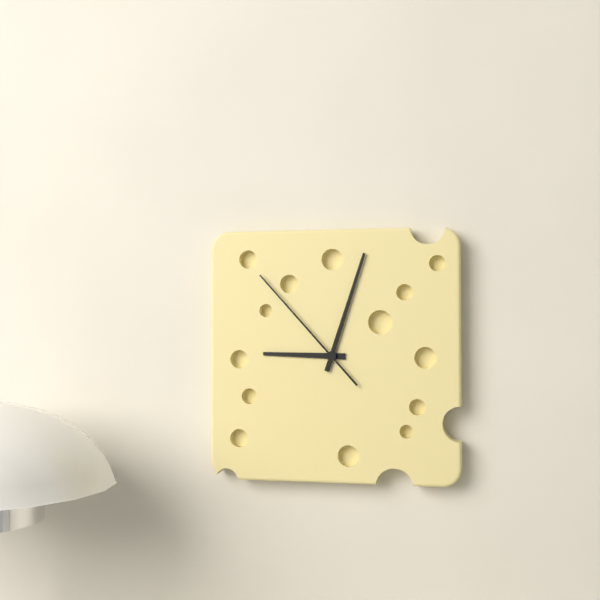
9:03:53
